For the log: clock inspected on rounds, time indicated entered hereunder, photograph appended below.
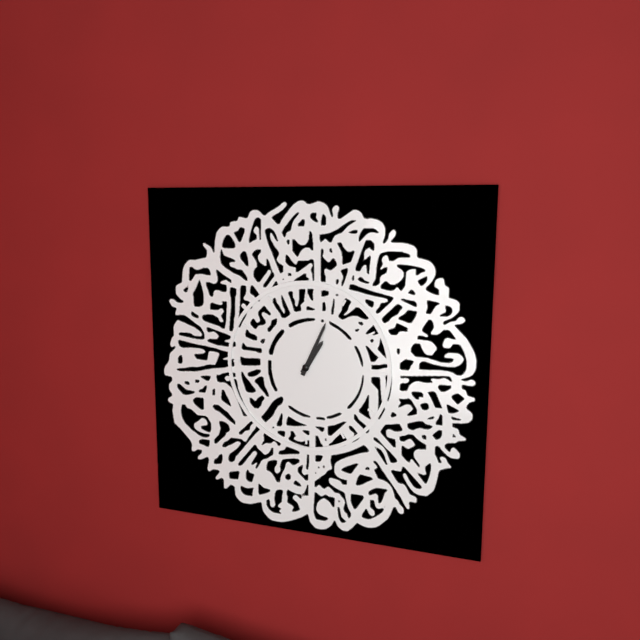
1:04
